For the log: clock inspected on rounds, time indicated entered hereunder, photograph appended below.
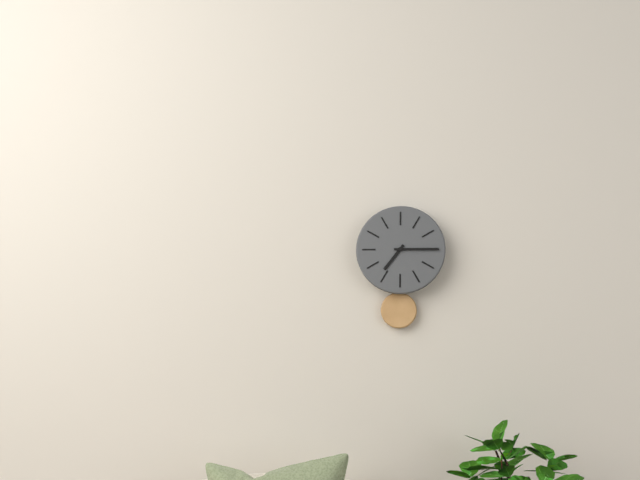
7:15
